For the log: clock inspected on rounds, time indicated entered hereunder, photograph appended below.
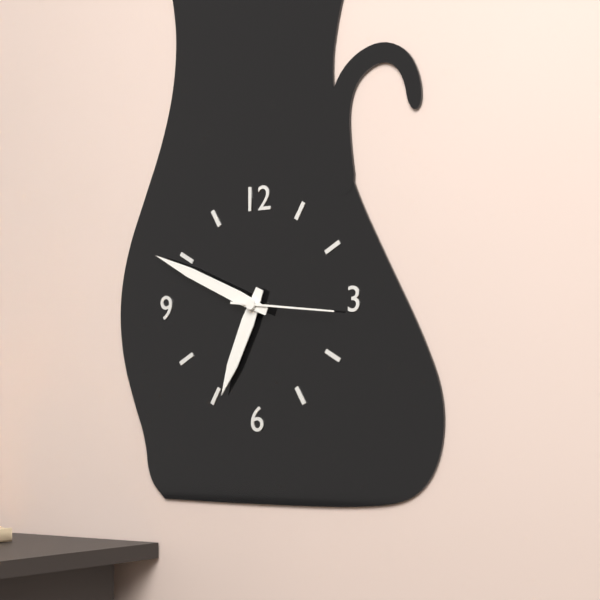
6:49:16
